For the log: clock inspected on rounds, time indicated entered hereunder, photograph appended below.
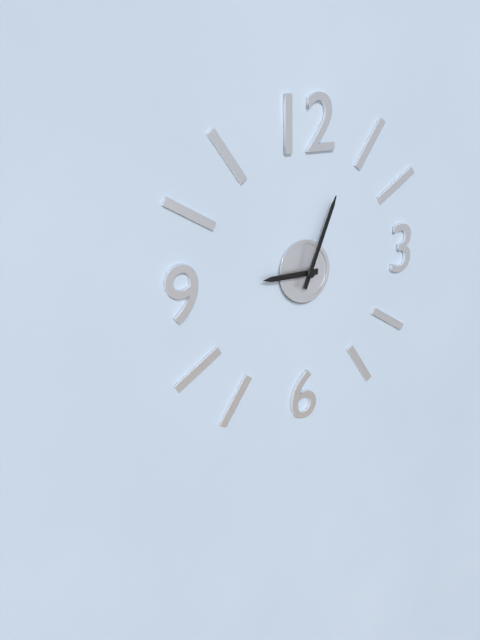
9:04
